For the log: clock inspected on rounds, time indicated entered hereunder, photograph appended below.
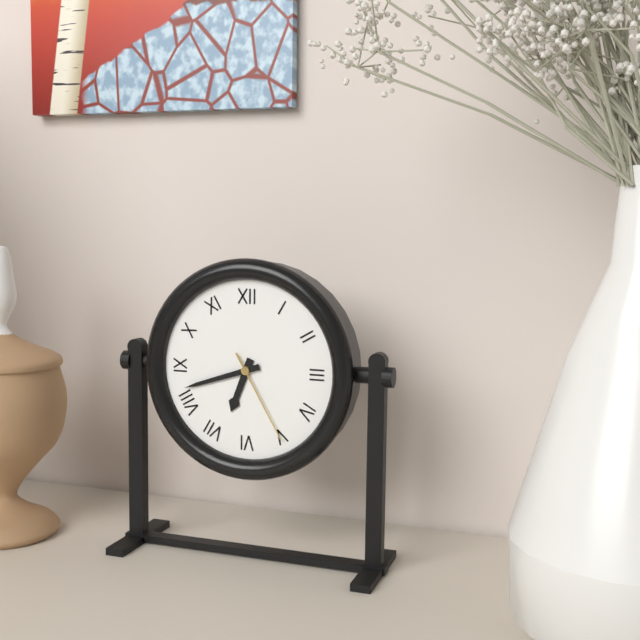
6:42:25
